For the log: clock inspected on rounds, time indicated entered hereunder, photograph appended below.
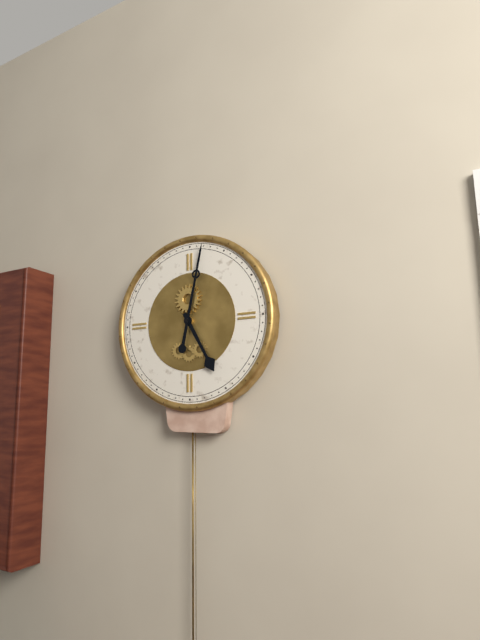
5:02
